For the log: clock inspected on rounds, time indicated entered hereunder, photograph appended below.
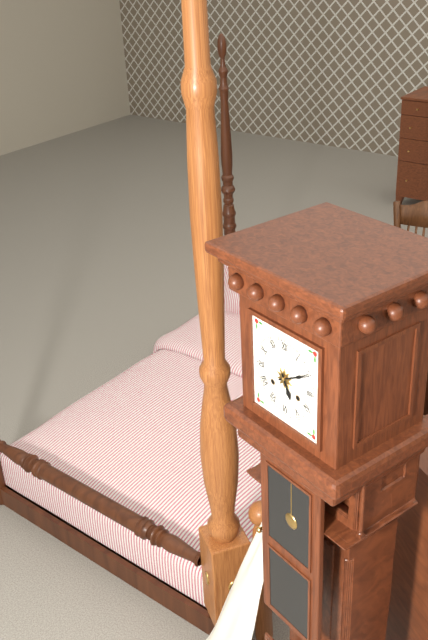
5:10
